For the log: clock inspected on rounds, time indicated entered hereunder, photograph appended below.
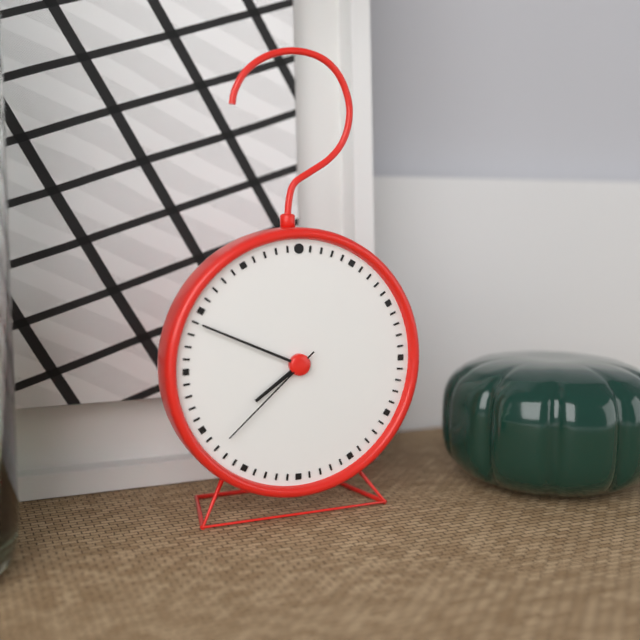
7:49:38
